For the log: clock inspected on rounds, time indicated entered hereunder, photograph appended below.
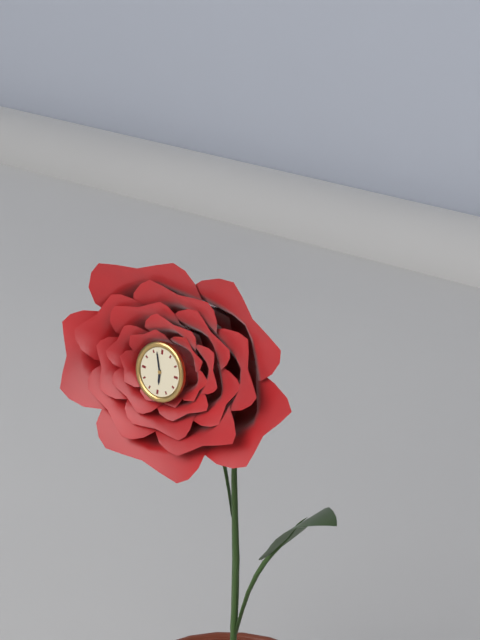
5:57
